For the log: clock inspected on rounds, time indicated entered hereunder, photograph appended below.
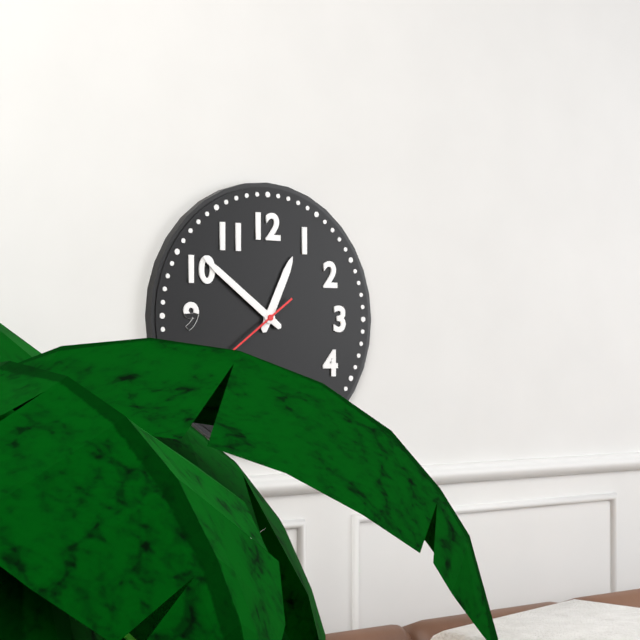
12:51
